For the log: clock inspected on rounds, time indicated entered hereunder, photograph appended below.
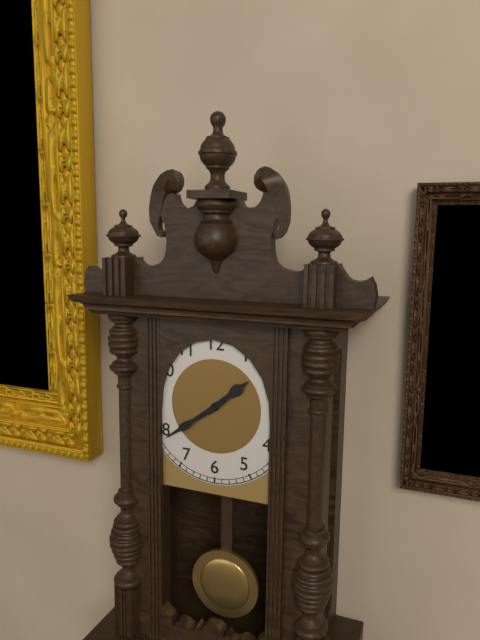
1:39
